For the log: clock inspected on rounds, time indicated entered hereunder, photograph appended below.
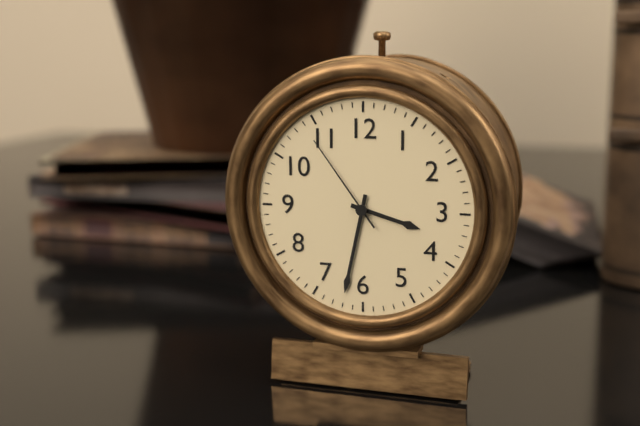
3:32:54
